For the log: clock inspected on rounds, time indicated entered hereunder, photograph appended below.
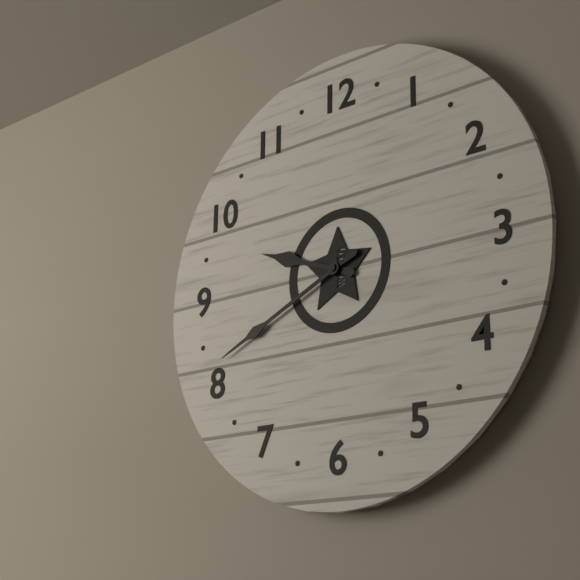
9:41
